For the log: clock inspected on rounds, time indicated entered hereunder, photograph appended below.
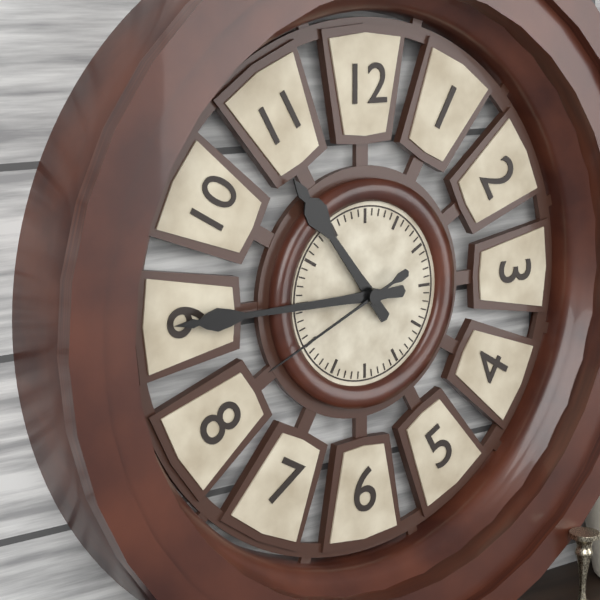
10:45:41
